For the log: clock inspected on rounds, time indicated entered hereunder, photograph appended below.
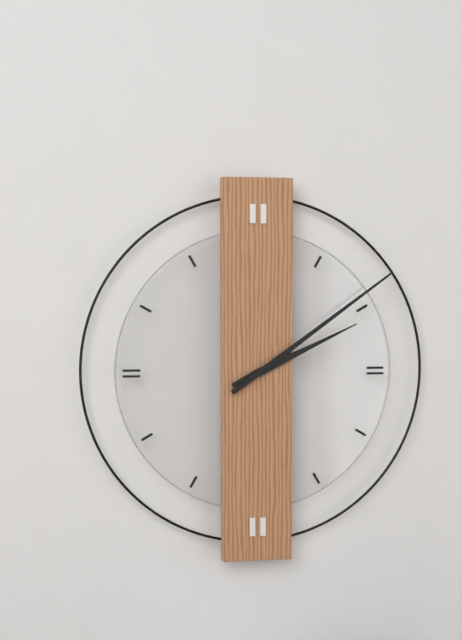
2:09
